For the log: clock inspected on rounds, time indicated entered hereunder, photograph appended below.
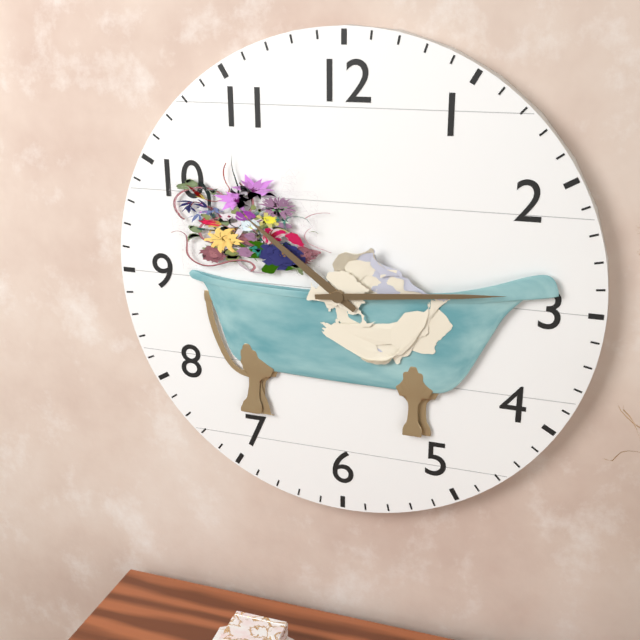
10:14
